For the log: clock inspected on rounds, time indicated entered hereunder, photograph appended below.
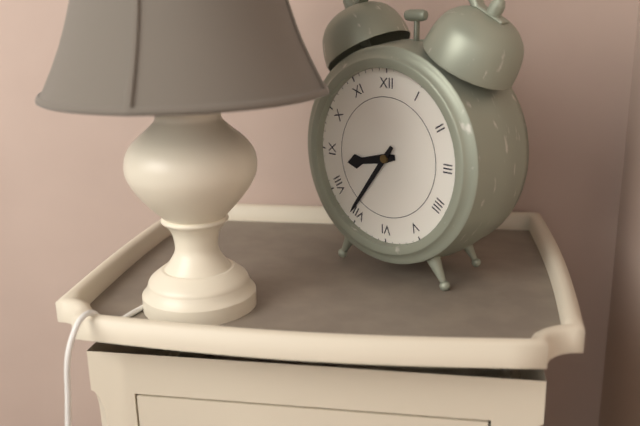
8:36
